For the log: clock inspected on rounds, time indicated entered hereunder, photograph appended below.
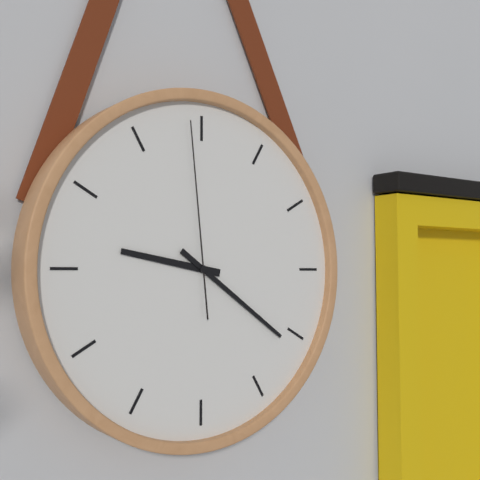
9:21:59
